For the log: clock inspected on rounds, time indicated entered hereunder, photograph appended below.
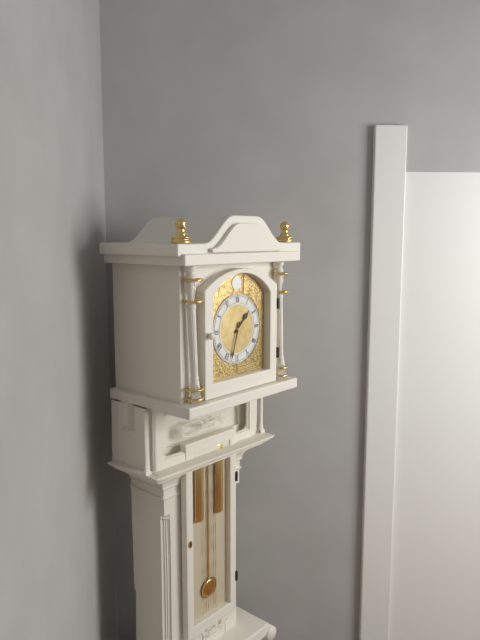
1:33
